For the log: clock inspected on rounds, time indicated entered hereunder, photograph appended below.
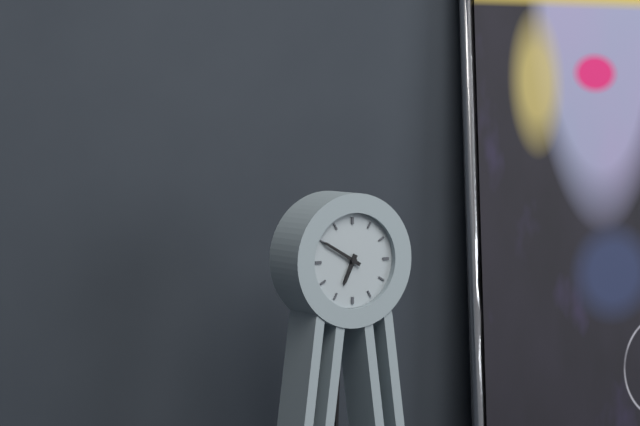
6:50
